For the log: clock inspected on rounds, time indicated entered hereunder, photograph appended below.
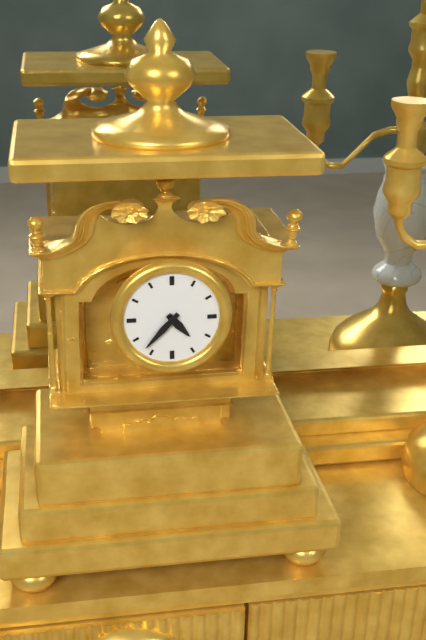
4:37
